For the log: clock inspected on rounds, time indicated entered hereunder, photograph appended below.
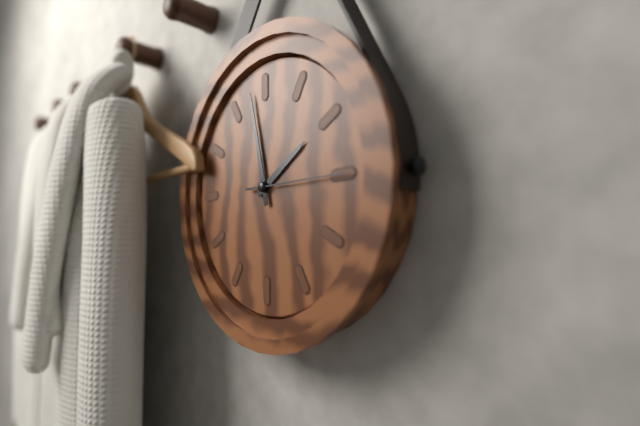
1:58:15
